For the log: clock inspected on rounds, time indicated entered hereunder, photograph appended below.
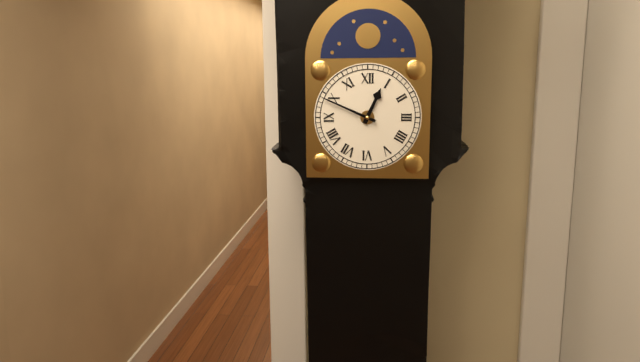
12:49
